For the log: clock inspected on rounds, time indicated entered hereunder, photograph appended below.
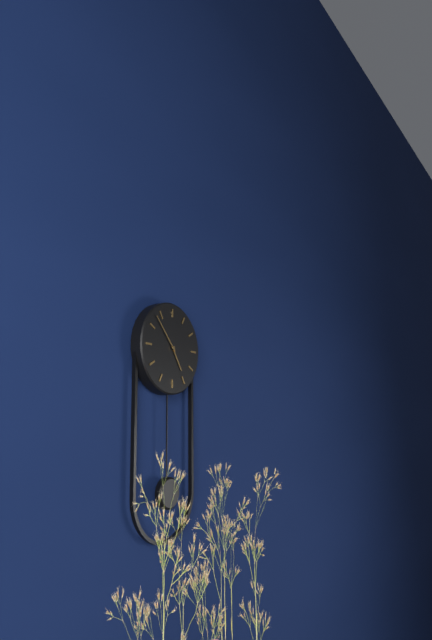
4:53
